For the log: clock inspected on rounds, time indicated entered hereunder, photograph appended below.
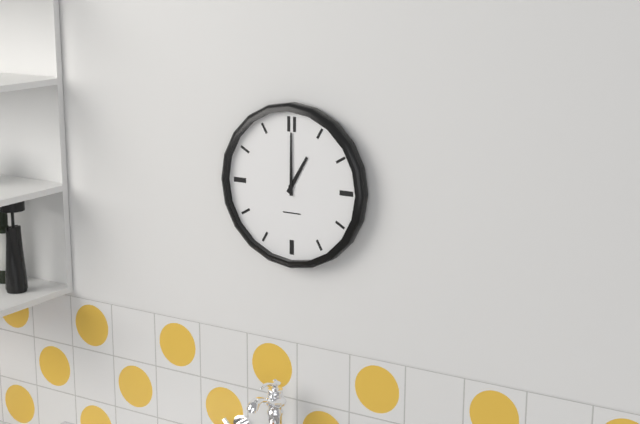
1:00
